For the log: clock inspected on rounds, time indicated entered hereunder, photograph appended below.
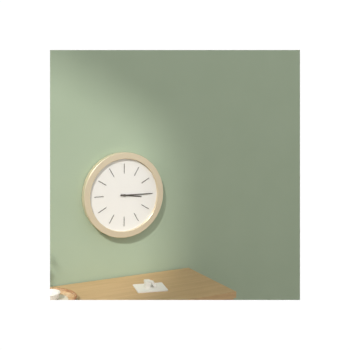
3:15
